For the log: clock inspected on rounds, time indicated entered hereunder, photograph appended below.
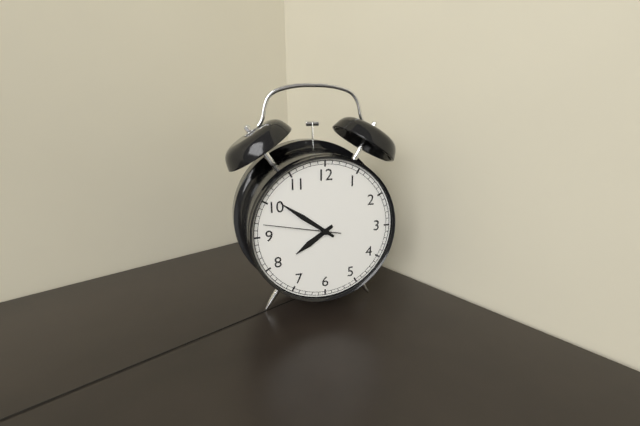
7:51:47
